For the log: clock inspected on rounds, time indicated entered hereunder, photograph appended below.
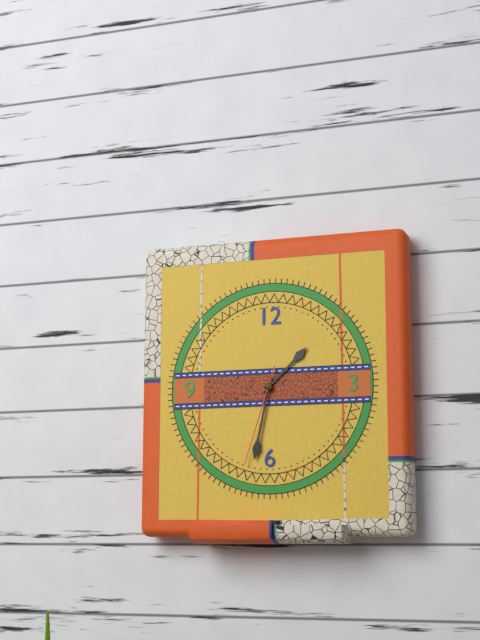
1:32:33
